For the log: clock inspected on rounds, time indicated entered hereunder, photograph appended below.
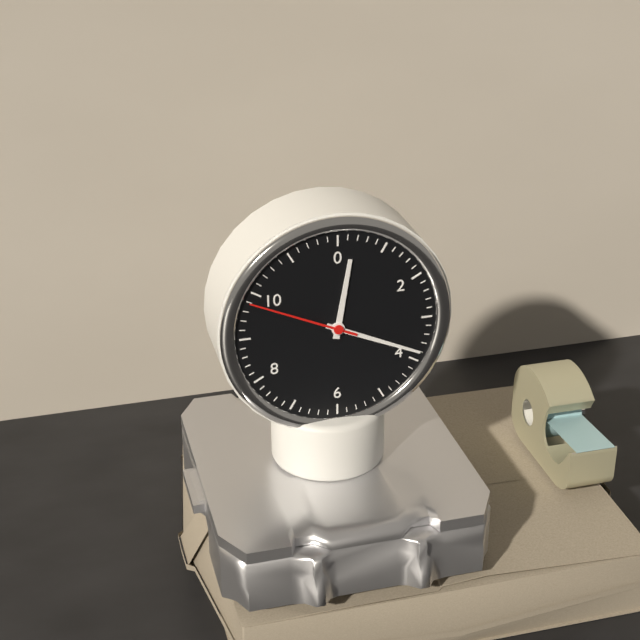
12:19:49
